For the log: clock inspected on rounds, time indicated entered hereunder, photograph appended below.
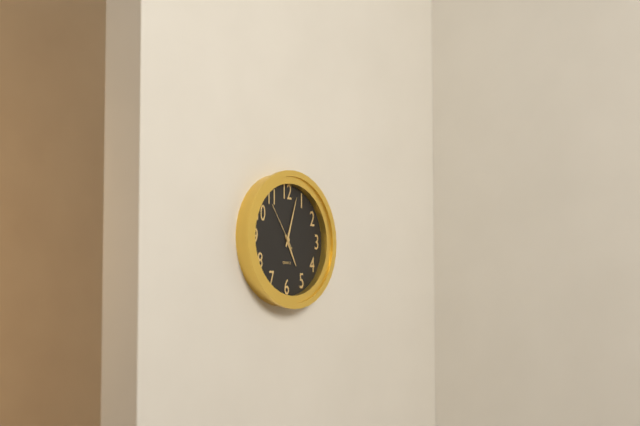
5:03
